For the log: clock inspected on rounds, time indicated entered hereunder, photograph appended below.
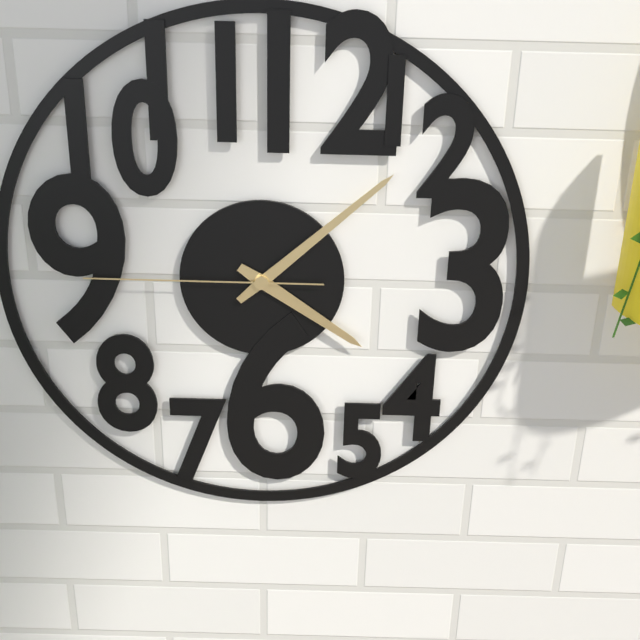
4:08:45
